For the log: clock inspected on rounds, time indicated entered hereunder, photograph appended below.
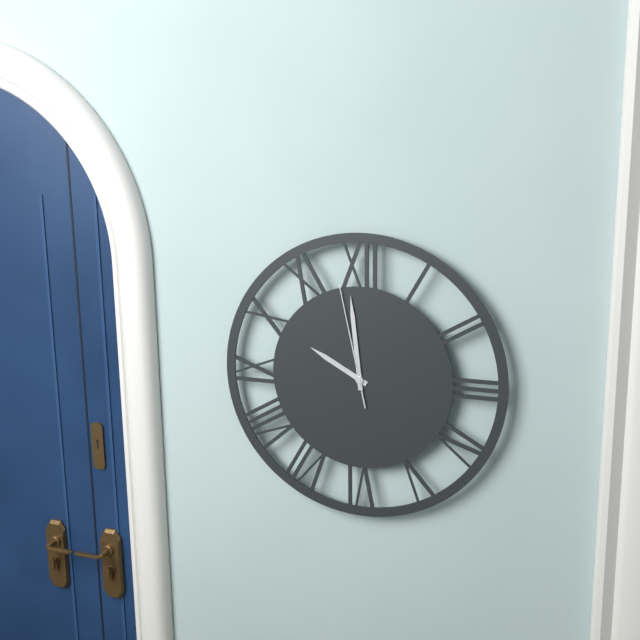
9:59:58
